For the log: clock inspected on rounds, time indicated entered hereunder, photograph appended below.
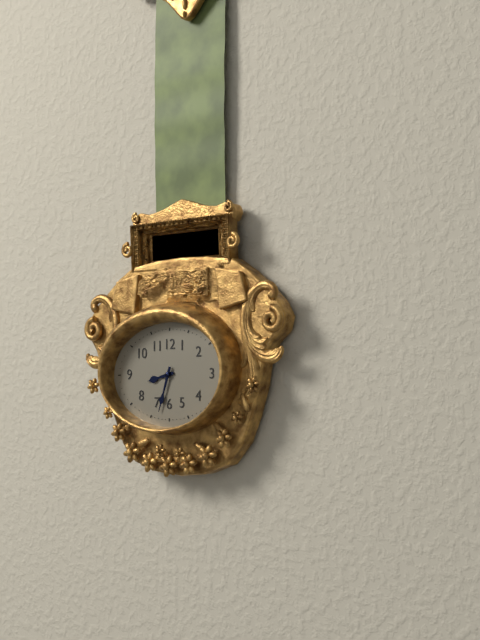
8:33
